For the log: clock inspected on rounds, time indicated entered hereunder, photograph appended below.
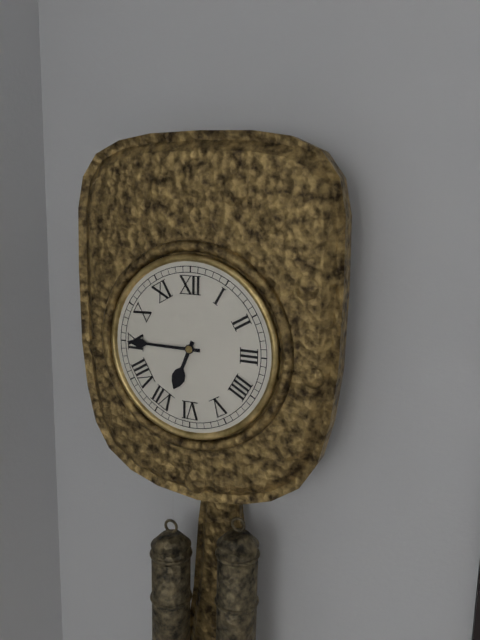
6:45
